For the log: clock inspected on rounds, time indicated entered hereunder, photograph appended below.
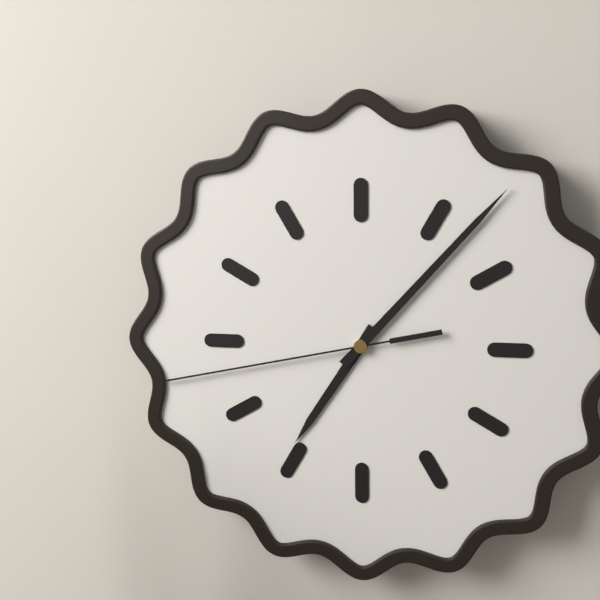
7:07:43
